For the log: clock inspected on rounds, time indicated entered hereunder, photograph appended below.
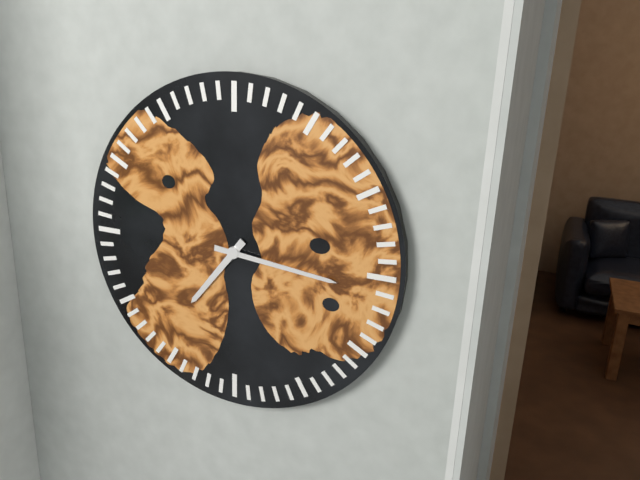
7:16
